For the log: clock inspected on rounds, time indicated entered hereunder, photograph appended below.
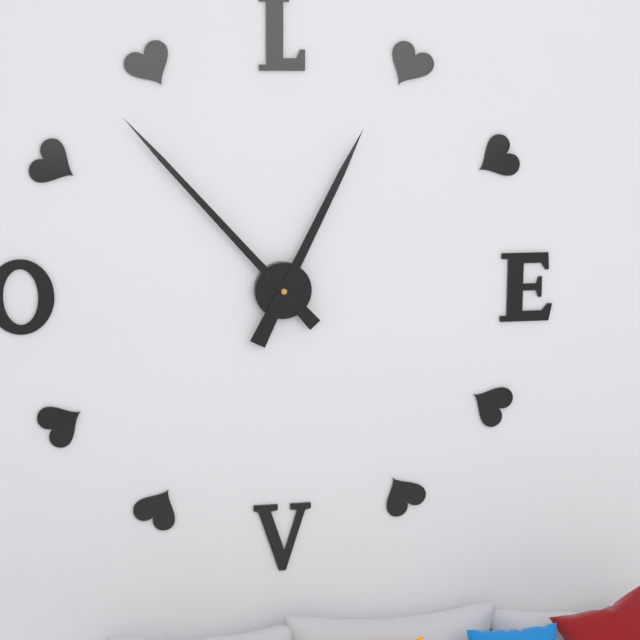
12:53
